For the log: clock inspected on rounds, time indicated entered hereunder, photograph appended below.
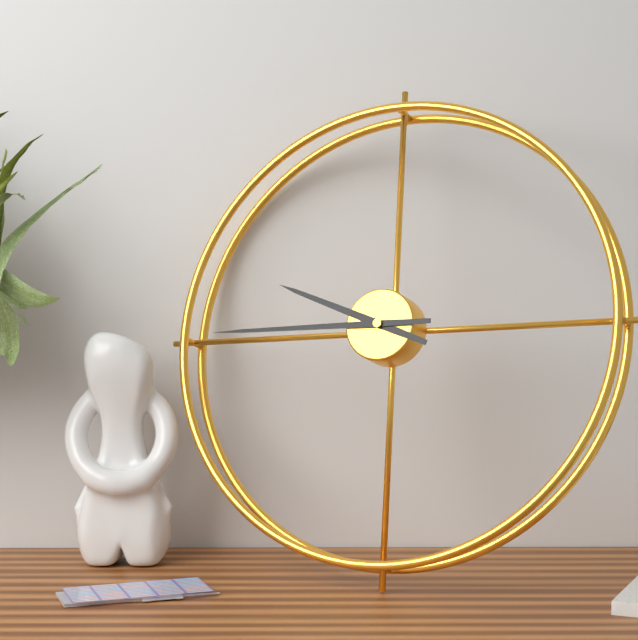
9:45
